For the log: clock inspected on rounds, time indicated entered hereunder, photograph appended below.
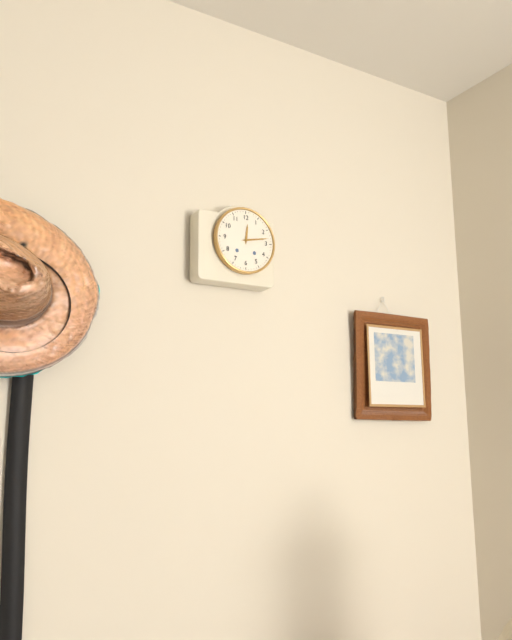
12:13
